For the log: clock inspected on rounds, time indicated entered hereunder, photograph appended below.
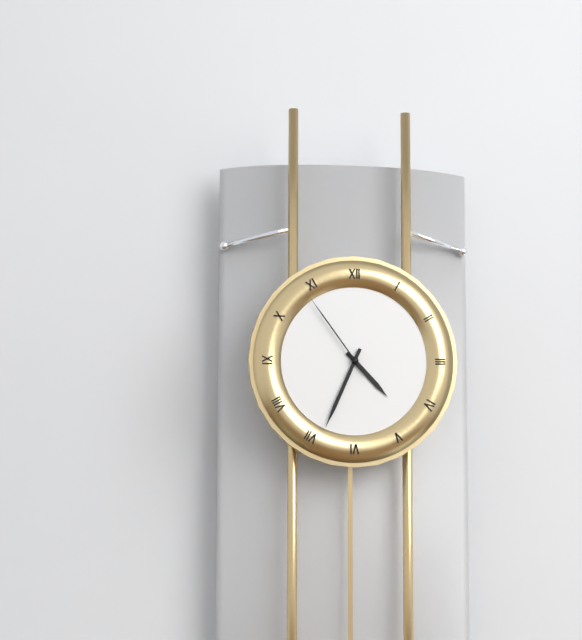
4:34:54
